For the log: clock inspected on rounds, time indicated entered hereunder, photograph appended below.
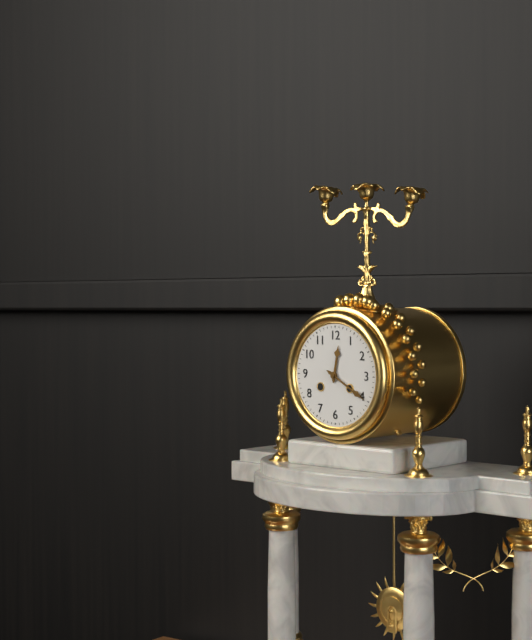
12:20
